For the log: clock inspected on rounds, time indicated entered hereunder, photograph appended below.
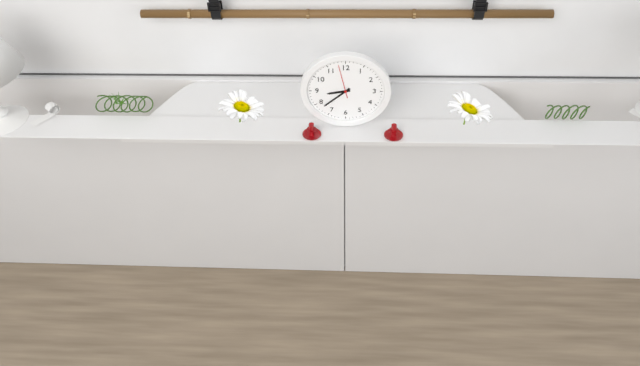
8:38
